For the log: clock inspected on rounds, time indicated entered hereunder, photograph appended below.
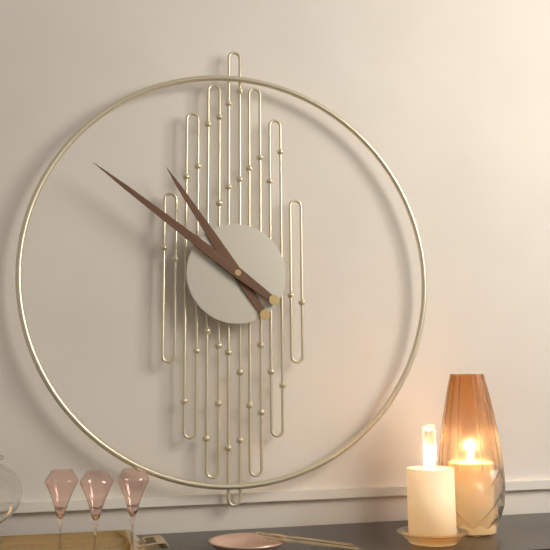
10:51
